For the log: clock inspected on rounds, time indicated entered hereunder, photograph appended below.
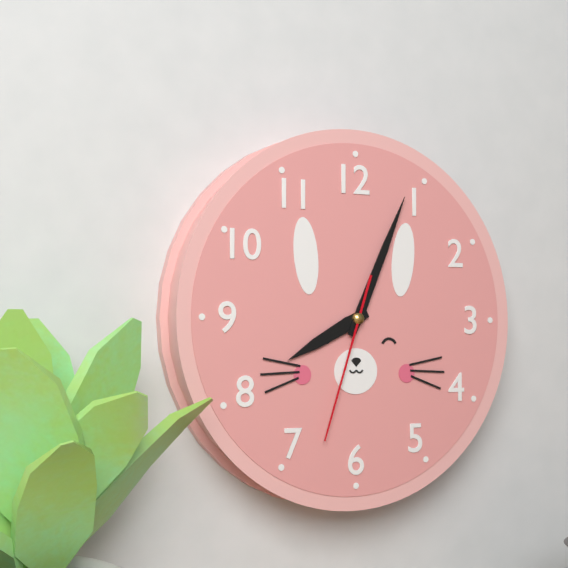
8:04:33
